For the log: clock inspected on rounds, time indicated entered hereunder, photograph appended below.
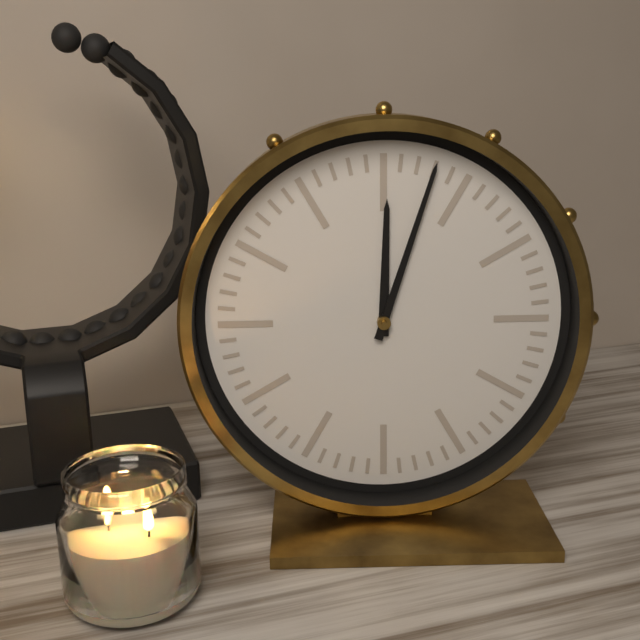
12:03
